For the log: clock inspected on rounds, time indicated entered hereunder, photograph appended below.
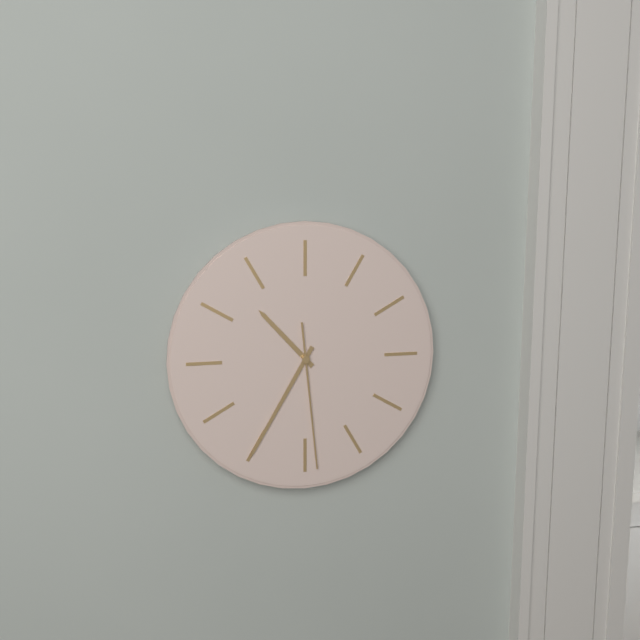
10:35:29
